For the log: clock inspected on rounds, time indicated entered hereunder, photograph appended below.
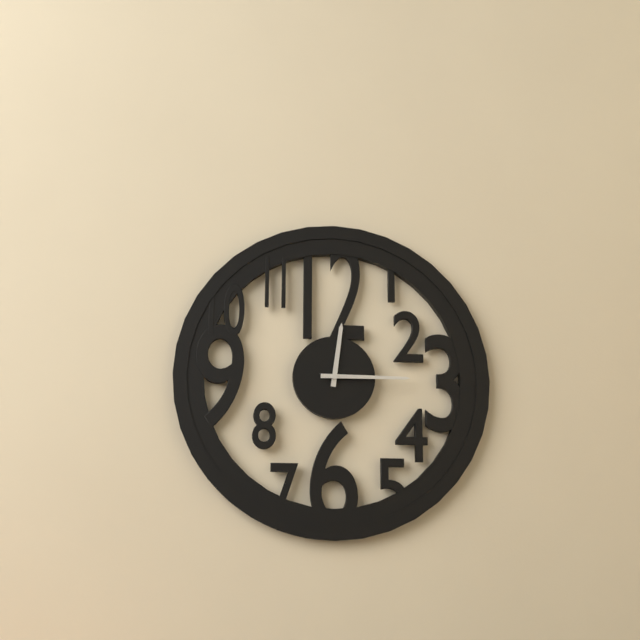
12:15
